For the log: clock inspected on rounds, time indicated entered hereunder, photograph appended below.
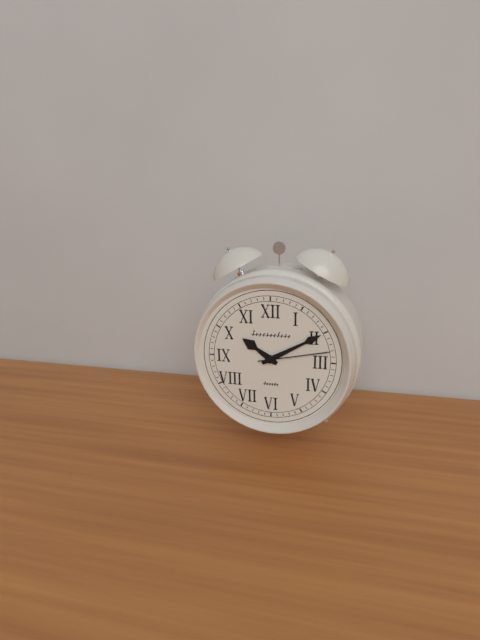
10:10:13
